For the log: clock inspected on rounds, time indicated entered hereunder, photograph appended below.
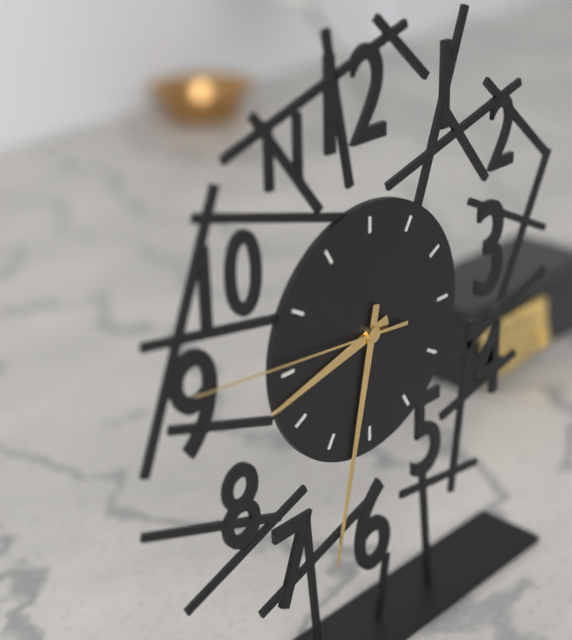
8:32:46
